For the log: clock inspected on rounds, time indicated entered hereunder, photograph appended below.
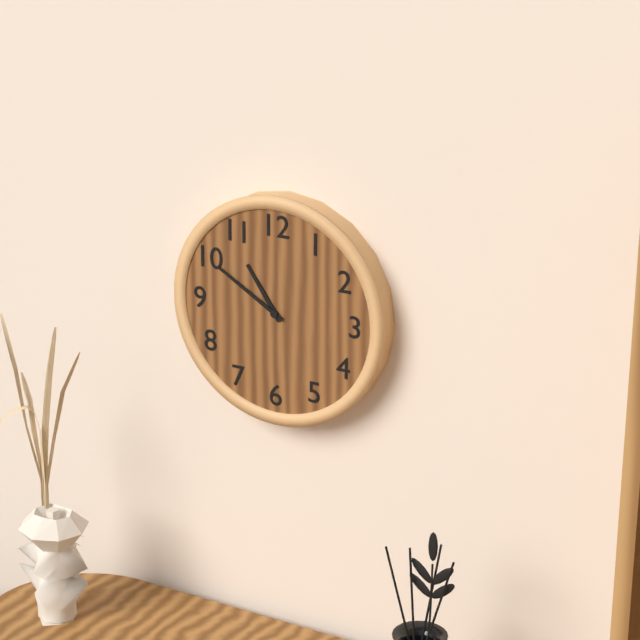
10:50
